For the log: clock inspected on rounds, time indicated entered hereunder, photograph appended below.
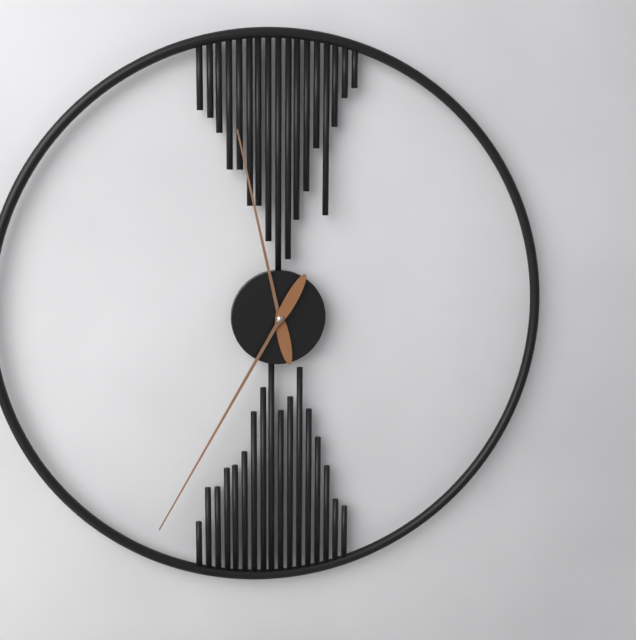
11:35
